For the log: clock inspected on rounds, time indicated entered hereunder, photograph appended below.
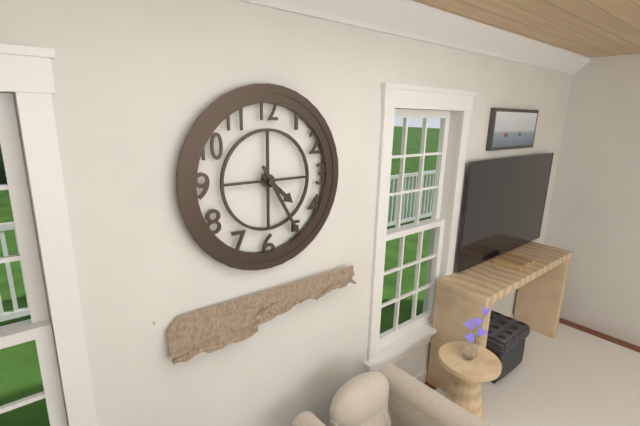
4:25
